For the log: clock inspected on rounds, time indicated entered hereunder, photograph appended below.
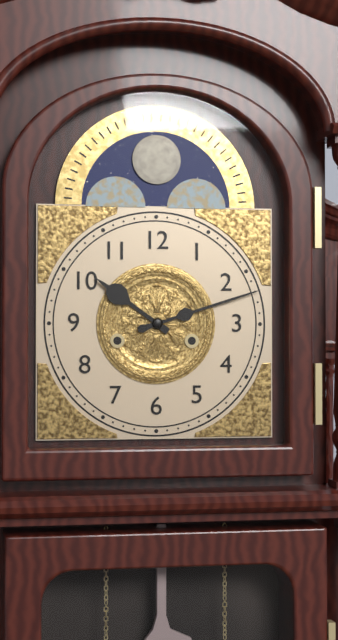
10:12
